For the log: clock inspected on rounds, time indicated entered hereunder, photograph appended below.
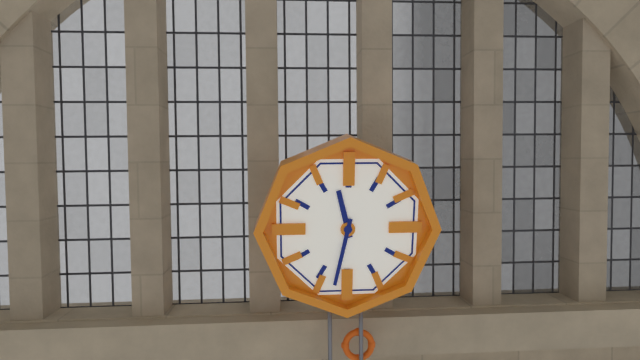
11:32
